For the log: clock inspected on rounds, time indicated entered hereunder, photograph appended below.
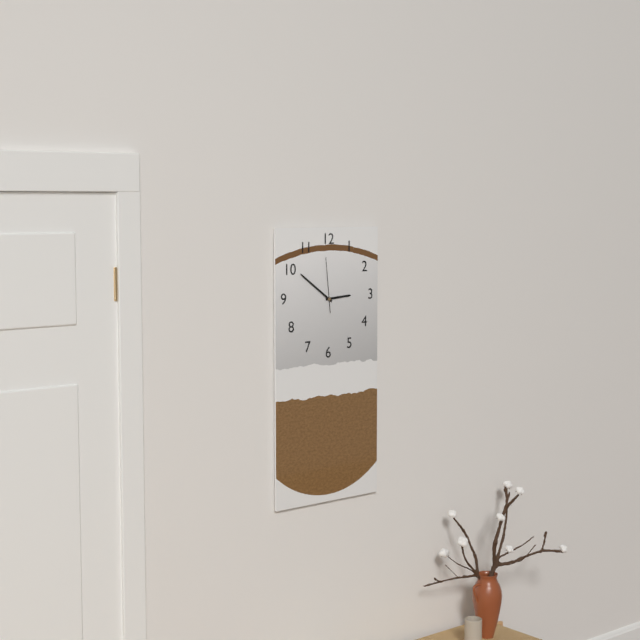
2:51:59
